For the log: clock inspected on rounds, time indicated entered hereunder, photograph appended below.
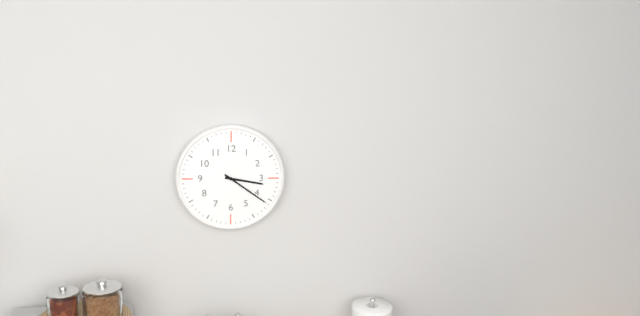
3:21
